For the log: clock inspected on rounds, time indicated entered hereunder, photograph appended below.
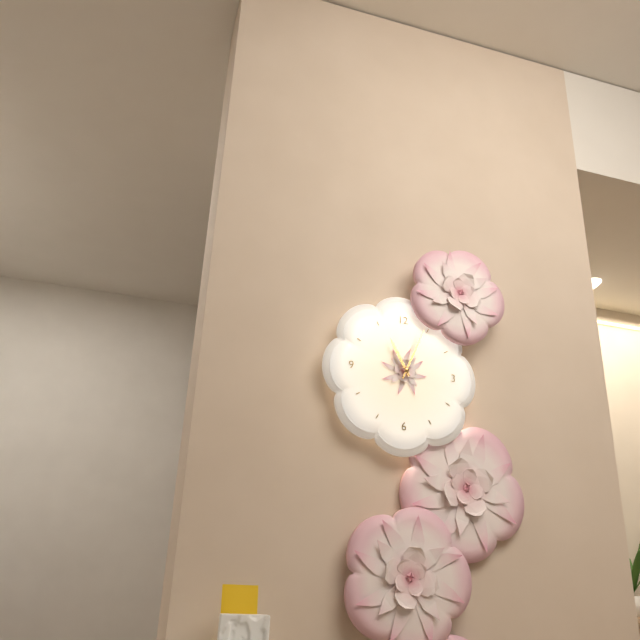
11:04
